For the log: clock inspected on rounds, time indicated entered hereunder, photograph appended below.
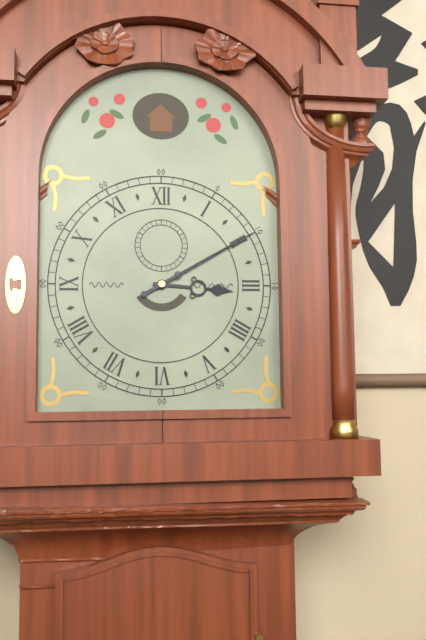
3:10
